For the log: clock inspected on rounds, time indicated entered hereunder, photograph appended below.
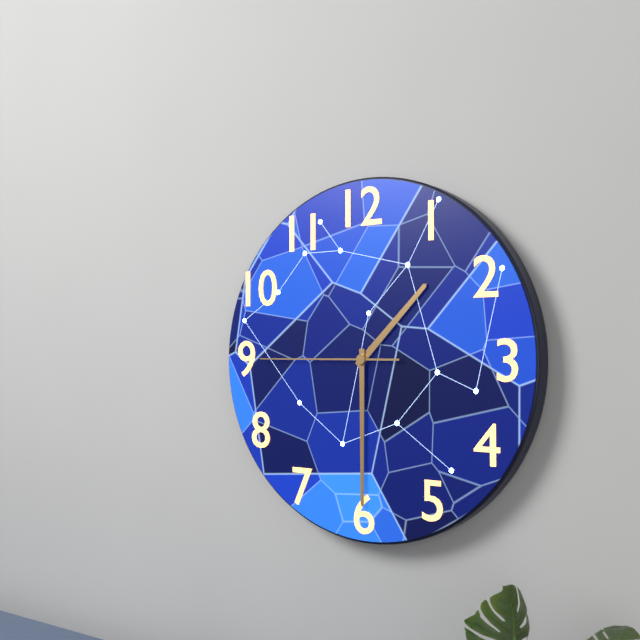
1:30:45
